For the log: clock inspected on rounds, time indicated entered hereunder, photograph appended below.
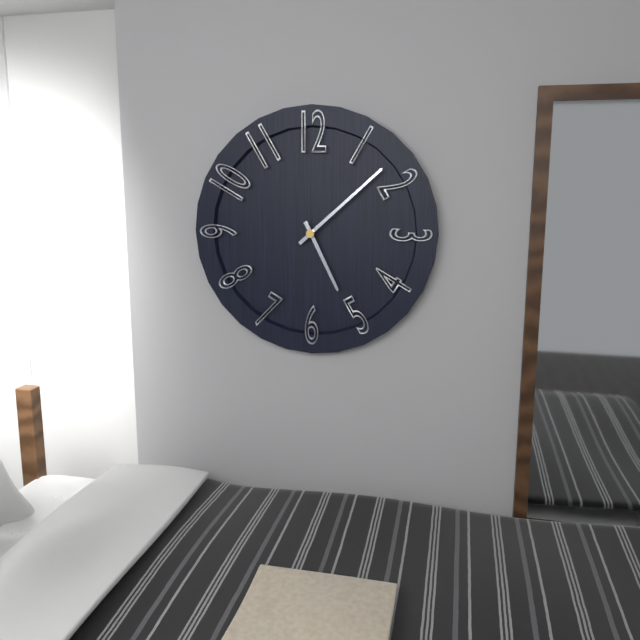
5:08
